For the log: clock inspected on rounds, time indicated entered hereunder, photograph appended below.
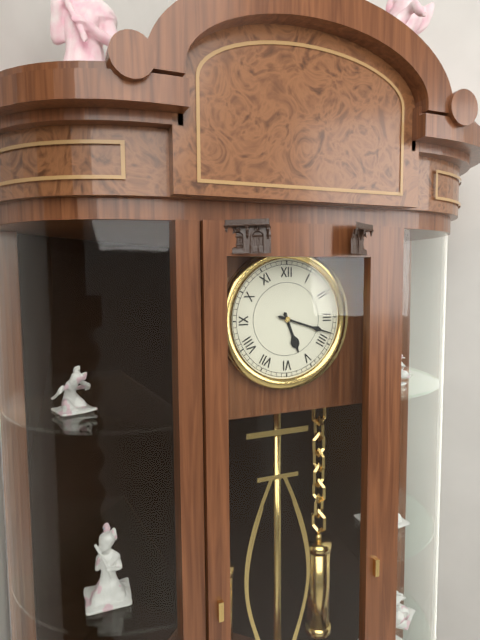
5:18
